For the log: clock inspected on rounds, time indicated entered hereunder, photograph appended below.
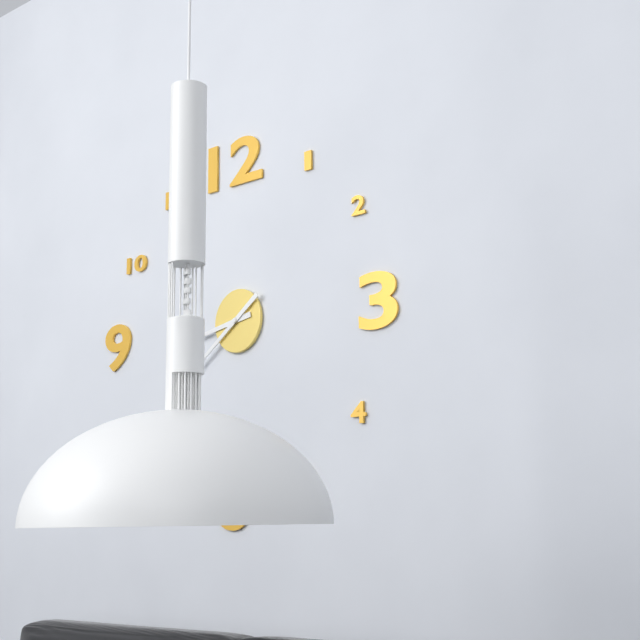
8:39
